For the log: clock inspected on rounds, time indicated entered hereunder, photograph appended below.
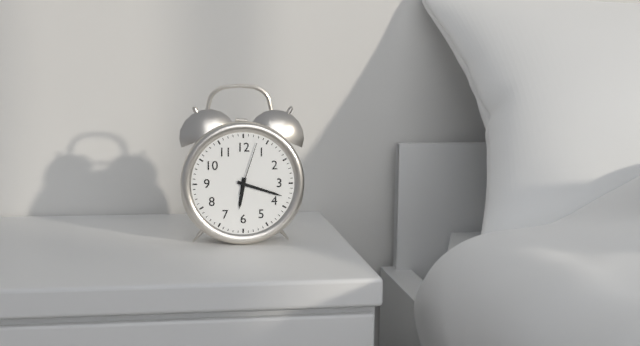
6:18:03
